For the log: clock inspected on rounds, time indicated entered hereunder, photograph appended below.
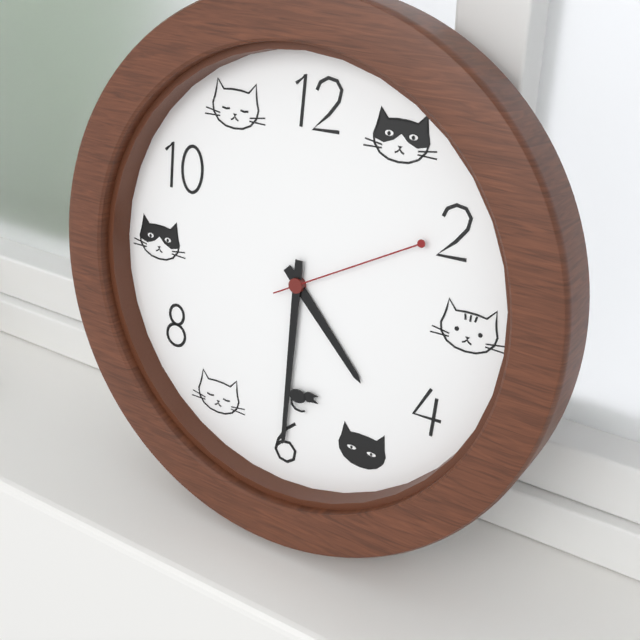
4:30:10
